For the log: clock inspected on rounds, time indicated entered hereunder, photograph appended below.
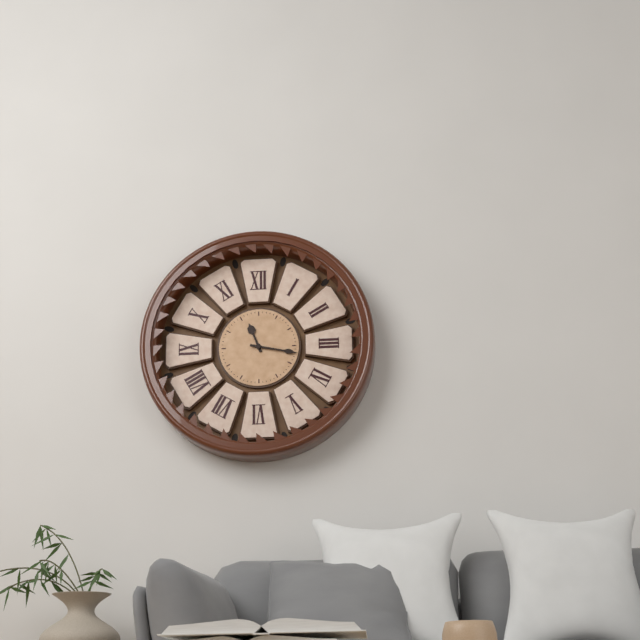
11:17
